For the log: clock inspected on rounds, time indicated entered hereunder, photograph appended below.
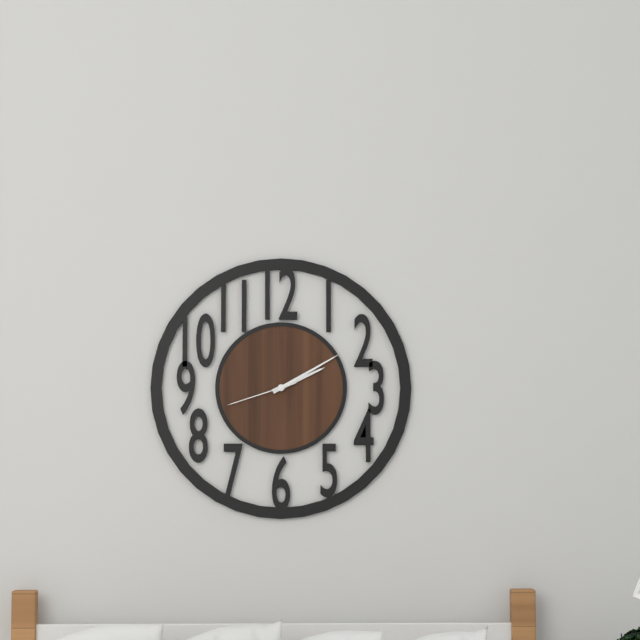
2:10:42
